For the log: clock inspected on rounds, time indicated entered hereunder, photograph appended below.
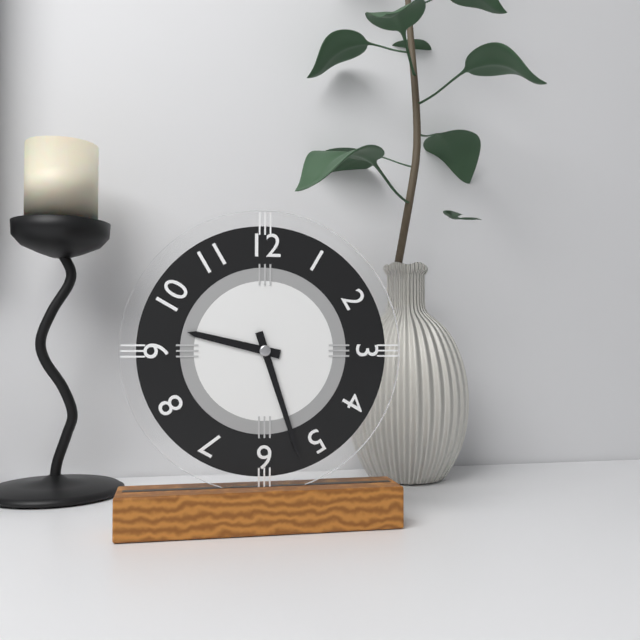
9:27
